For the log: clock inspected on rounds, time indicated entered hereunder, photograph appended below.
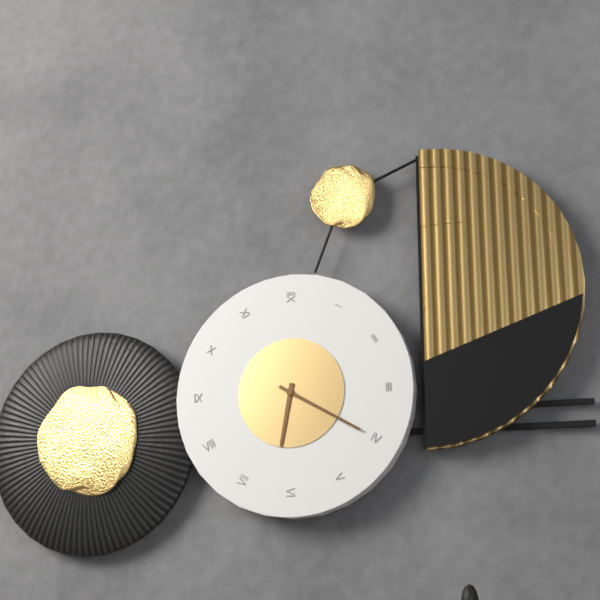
6:20
